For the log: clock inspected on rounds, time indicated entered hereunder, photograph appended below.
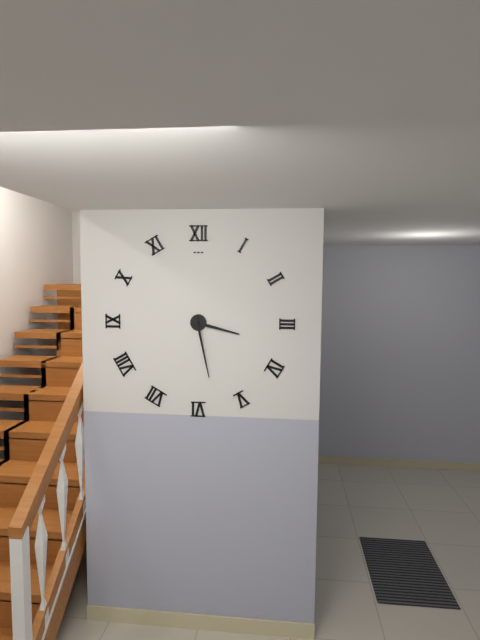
3:28
